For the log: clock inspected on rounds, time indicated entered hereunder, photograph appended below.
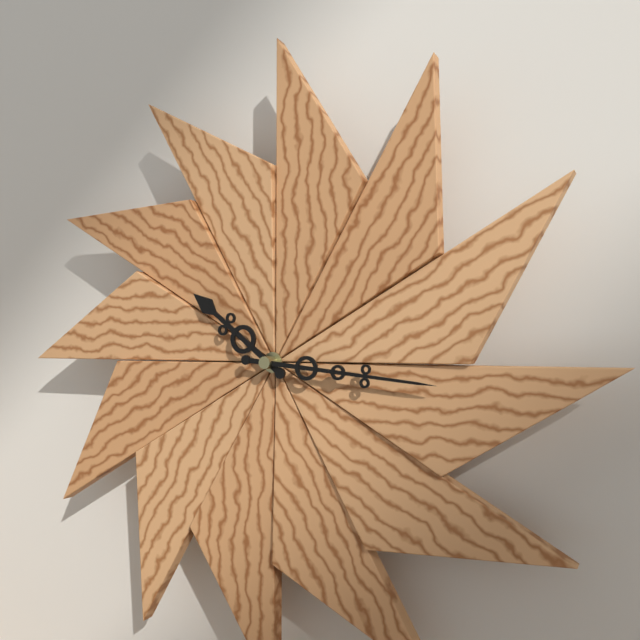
10:16
